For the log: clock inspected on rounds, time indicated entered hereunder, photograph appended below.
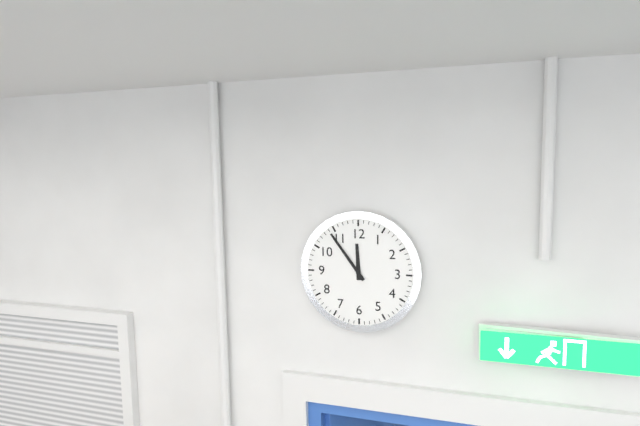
11:54
